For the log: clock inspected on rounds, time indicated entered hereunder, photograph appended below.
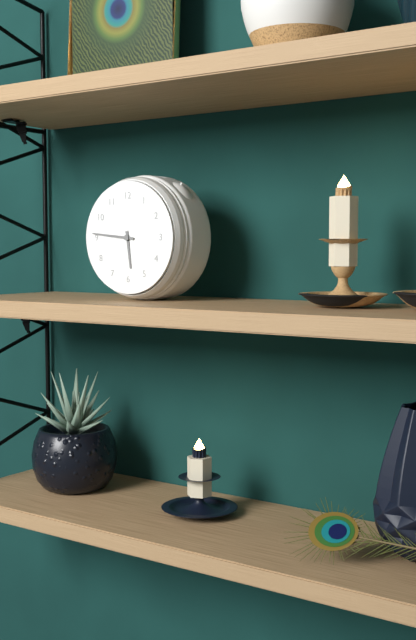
5:46
